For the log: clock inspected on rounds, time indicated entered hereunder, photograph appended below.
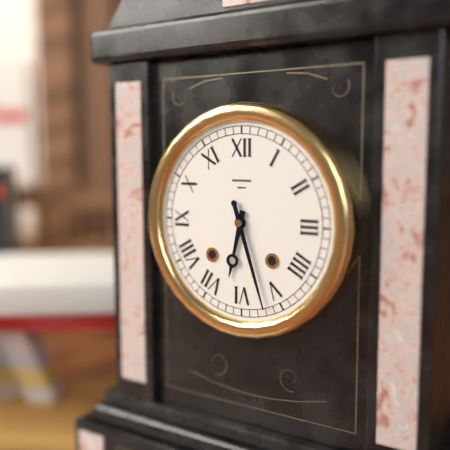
6:27
